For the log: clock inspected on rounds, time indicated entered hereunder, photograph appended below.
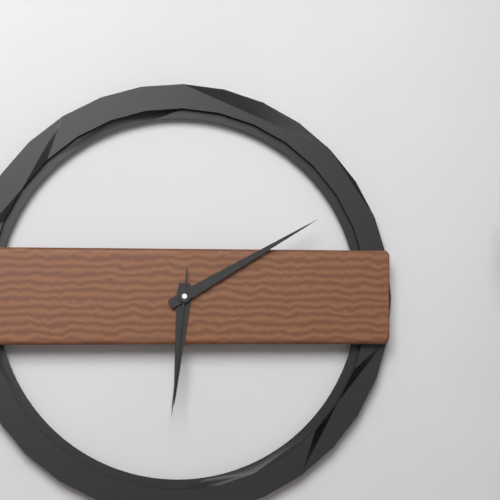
6:10:31
